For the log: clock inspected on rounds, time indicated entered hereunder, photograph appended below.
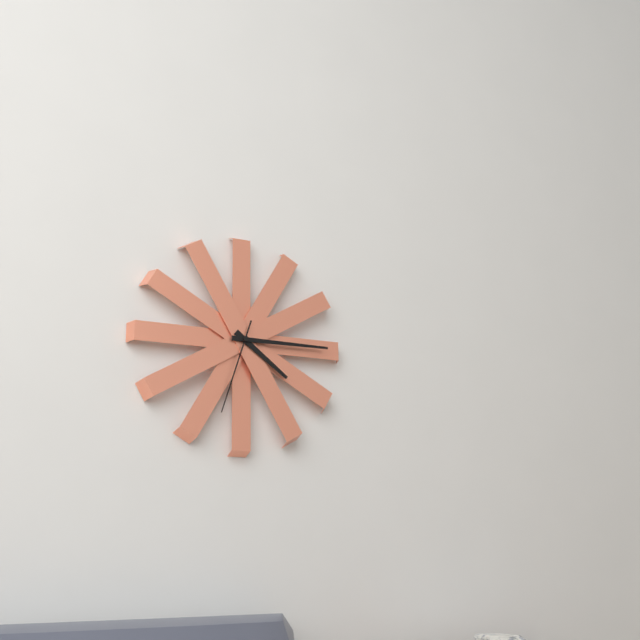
4:15:33
